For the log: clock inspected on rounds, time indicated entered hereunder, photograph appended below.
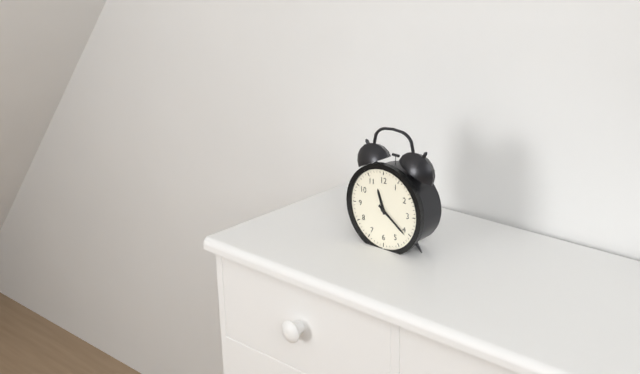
11:21
